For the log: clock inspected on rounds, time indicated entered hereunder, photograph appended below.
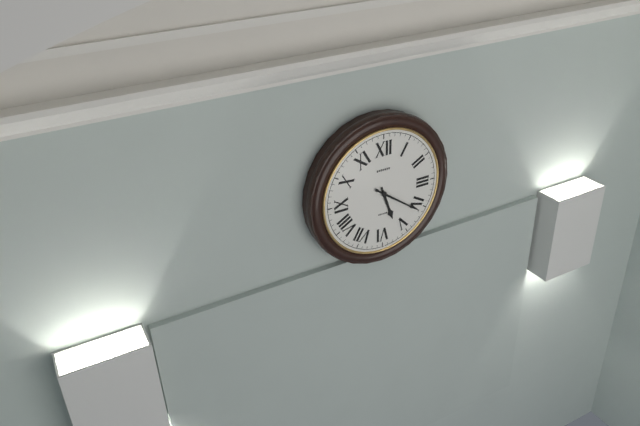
5:21
